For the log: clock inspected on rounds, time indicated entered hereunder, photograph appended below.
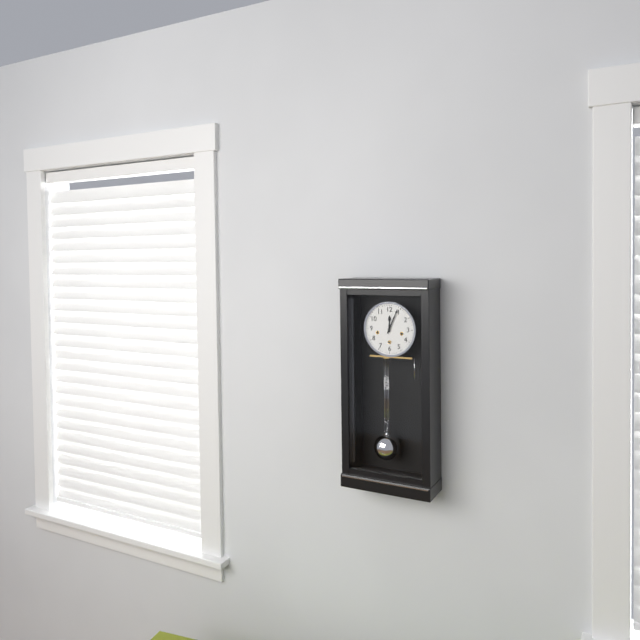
12:04
